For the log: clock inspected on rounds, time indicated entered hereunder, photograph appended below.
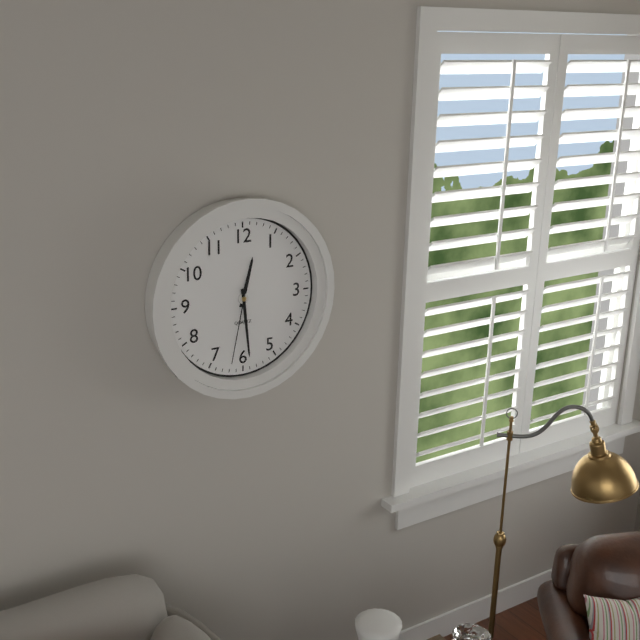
12:29:32
